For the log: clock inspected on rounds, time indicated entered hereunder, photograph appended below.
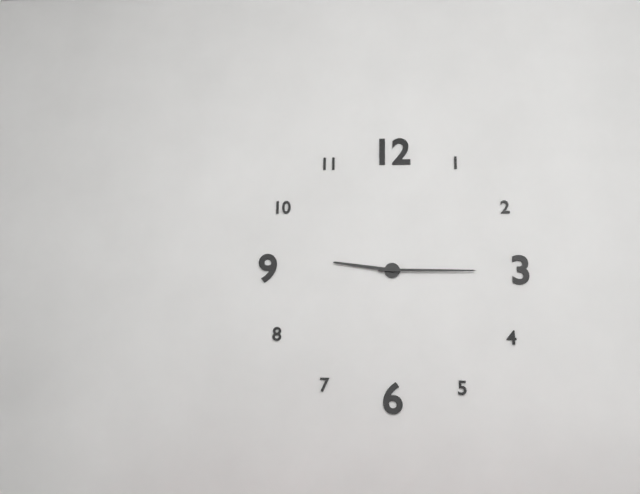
9:15
